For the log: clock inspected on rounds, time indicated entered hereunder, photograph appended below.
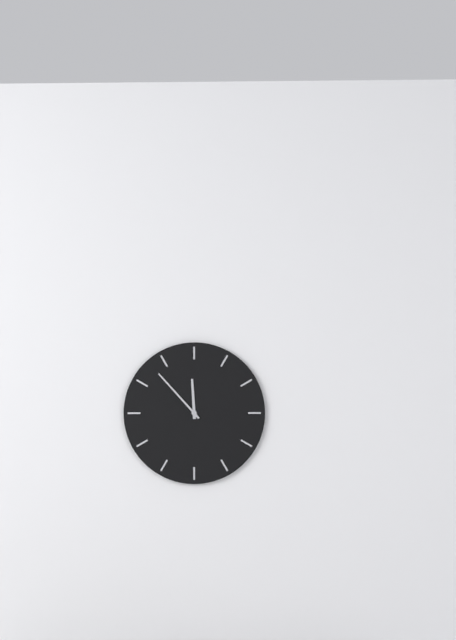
11:53
